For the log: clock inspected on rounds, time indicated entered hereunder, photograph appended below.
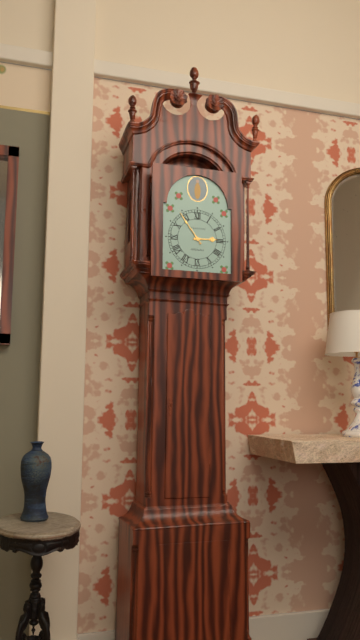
2:54
